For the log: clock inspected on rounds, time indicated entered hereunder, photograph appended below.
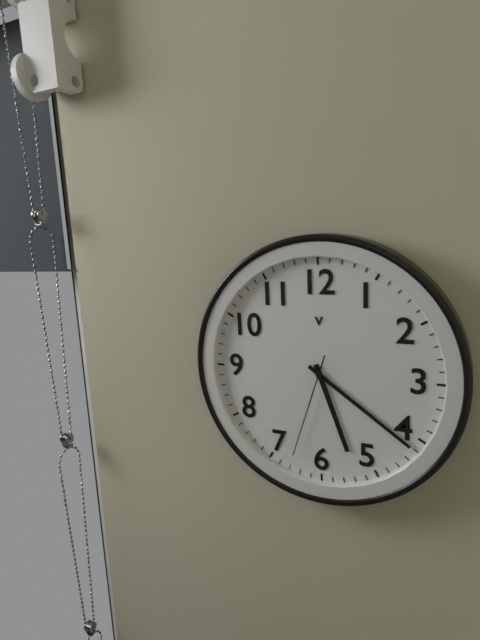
5:21:33
